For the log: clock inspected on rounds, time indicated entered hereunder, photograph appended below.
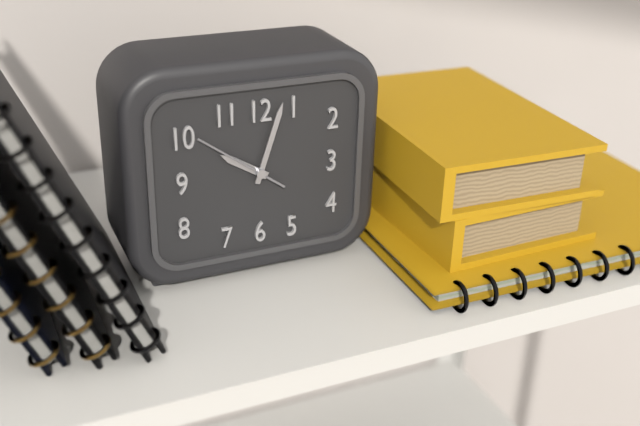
10:03:51
